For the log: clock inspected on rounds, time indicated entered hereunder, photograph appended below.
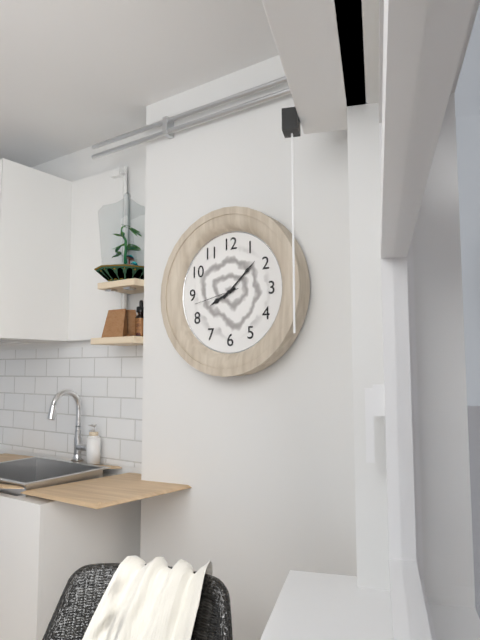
8:08
